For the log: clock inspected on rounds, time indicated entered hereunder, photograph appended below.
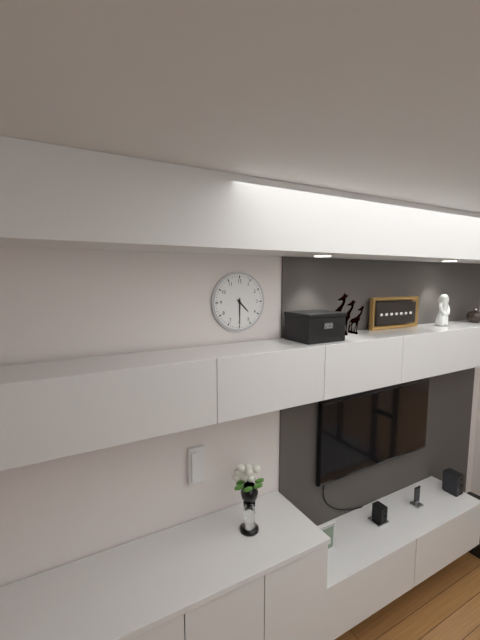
4:30
